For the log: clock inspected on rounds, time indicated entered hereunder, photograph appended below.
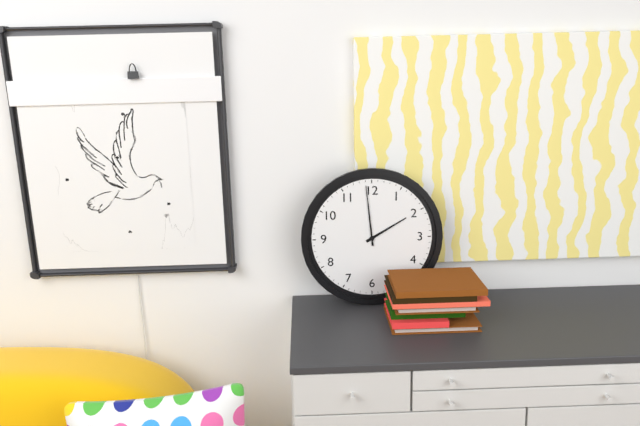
1:59
